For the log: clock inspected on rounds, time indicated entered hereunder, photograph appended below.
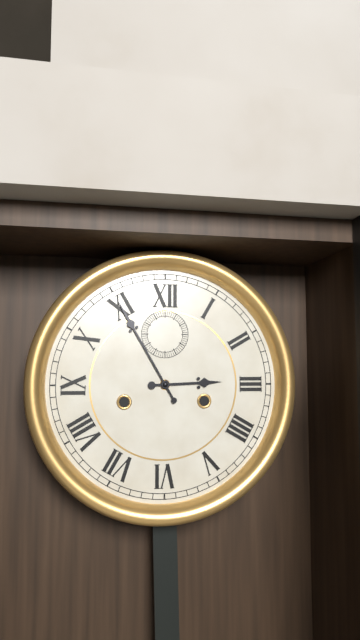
2:55
